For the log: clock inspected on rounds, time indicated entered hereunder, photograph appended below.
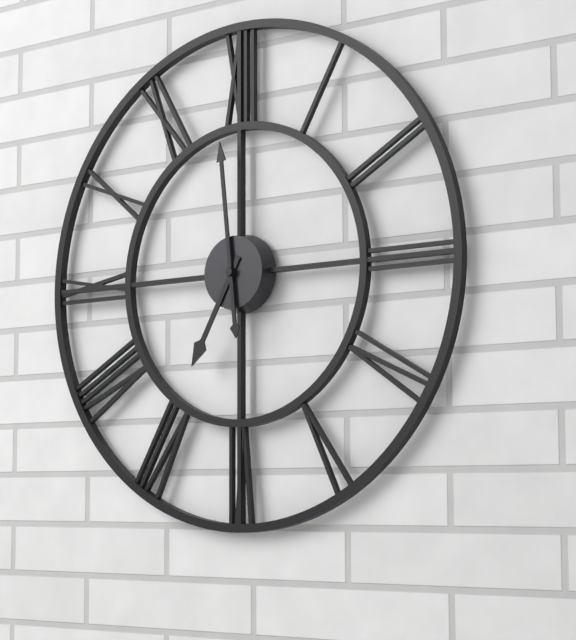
6:59
